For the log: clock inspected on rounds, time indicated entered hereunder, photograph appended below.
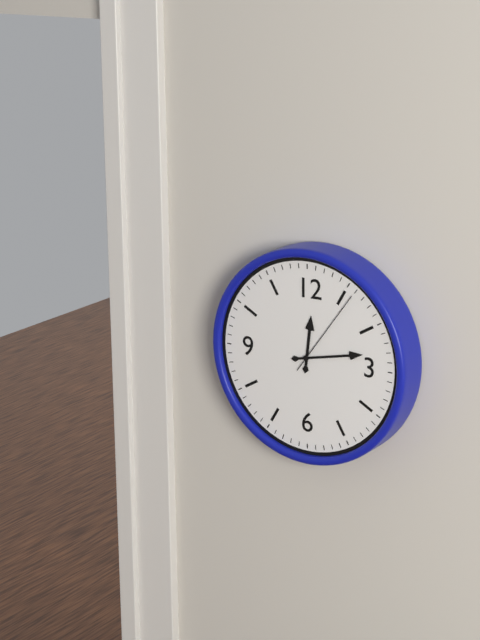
12:13:06
